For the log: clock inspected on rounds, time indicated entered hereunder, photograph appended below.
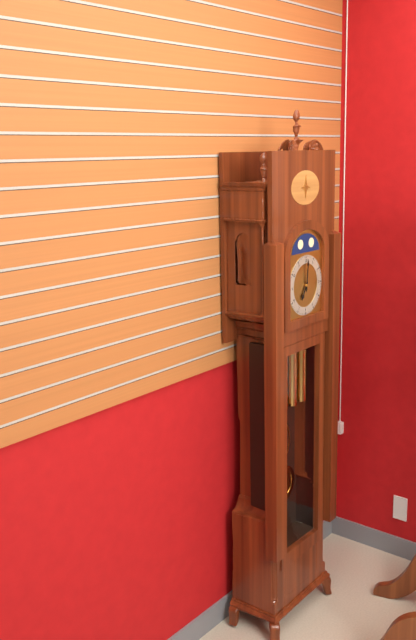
7:01
